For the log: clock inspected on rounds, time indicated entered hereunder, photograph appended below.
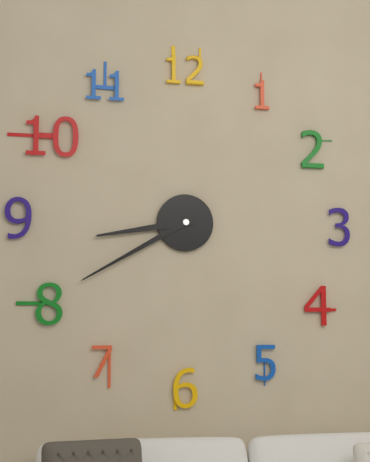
8:40
